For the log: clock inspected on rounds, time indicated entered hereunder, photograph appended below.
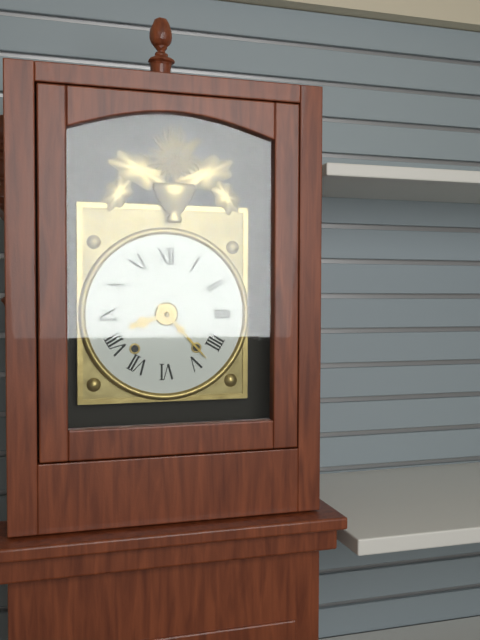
8:23
